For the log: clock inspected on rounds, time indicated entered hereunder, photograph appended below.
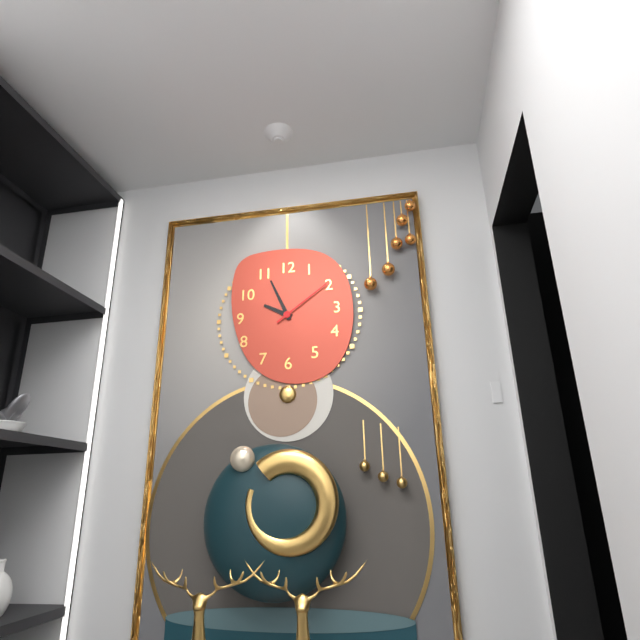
9:56:09
